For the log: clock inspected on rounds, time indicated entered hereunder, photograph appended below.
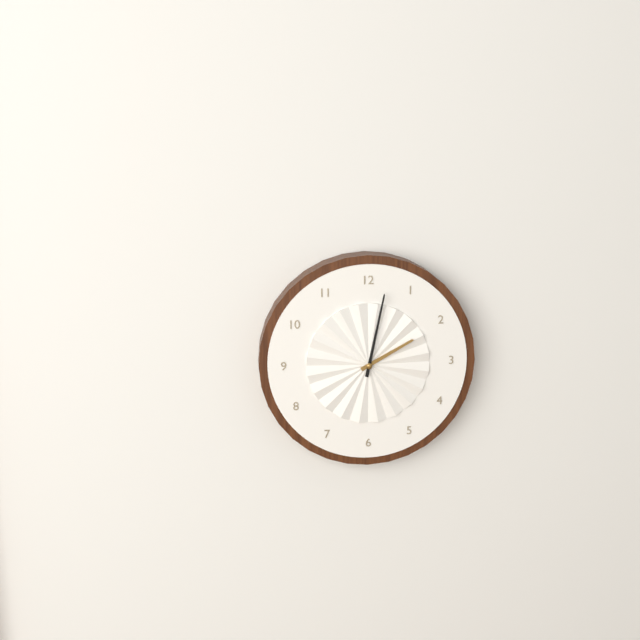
2:02
